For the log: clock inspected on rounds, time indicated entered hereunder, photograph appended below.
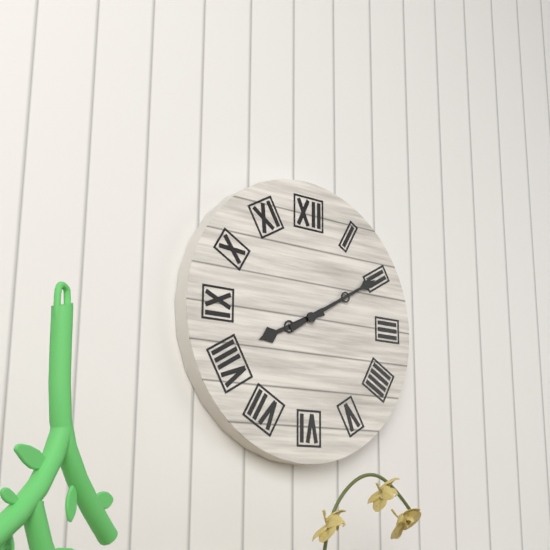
8:10
